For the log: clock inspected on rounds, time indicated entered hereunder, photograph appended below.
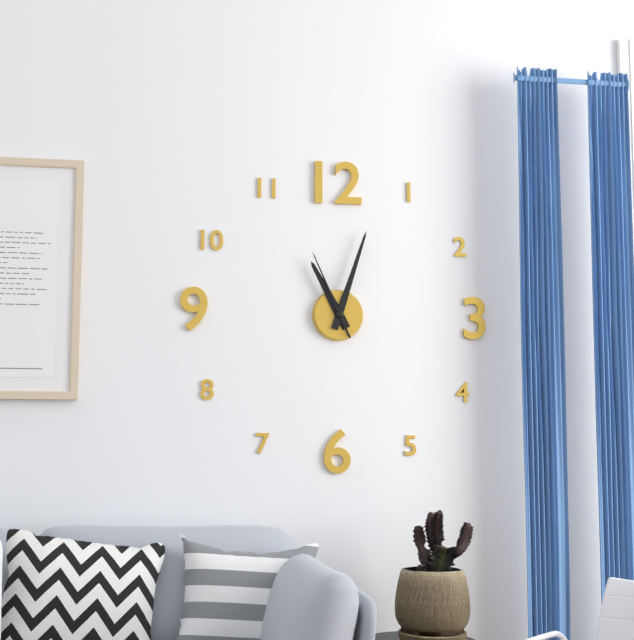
11:03:56
